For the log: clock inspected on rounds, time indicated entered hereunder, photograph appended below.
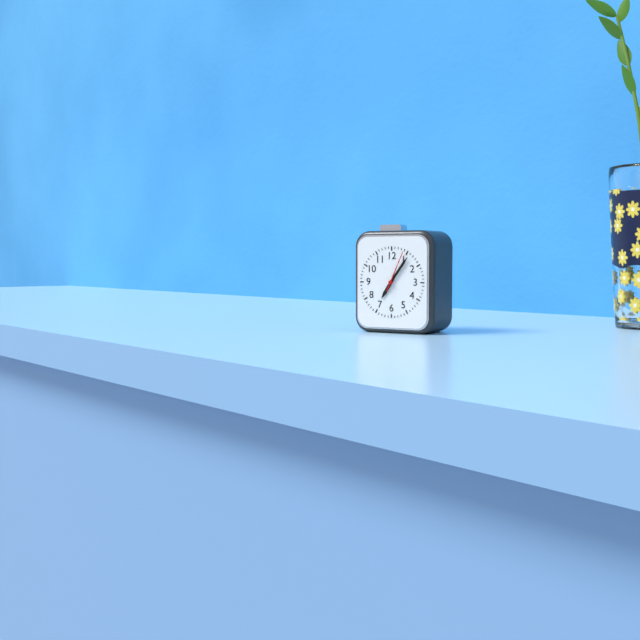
7:06
